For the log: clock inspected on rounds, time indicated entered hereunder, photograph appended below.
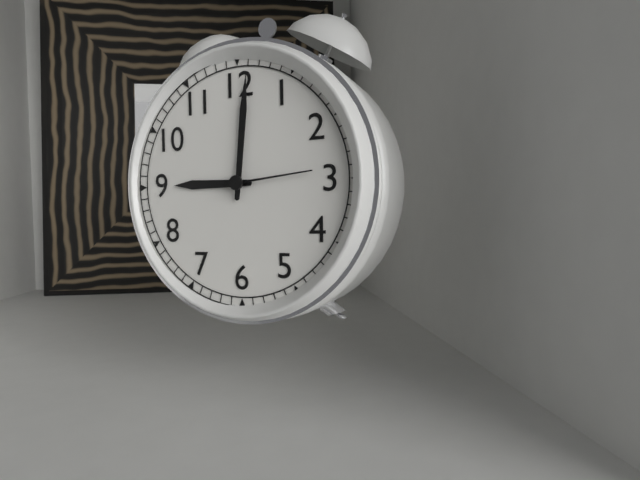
9:01:14
